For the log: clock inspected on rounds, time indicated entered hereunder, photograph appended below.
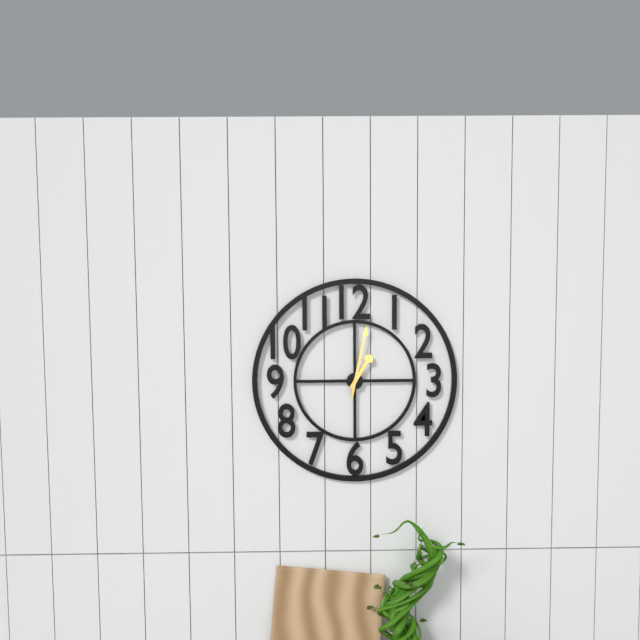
1:02
